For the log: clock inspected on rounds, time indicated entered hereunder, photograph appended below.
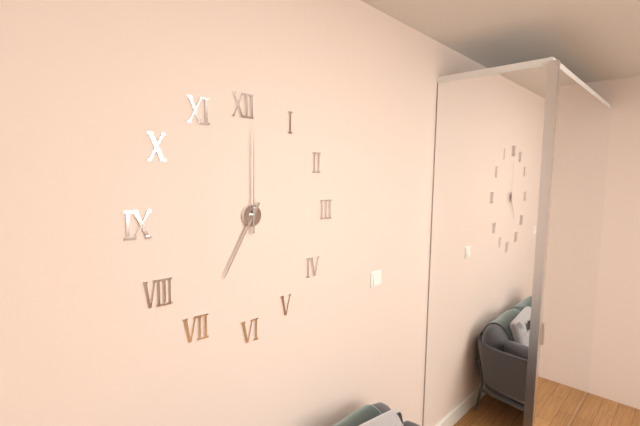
7:00
